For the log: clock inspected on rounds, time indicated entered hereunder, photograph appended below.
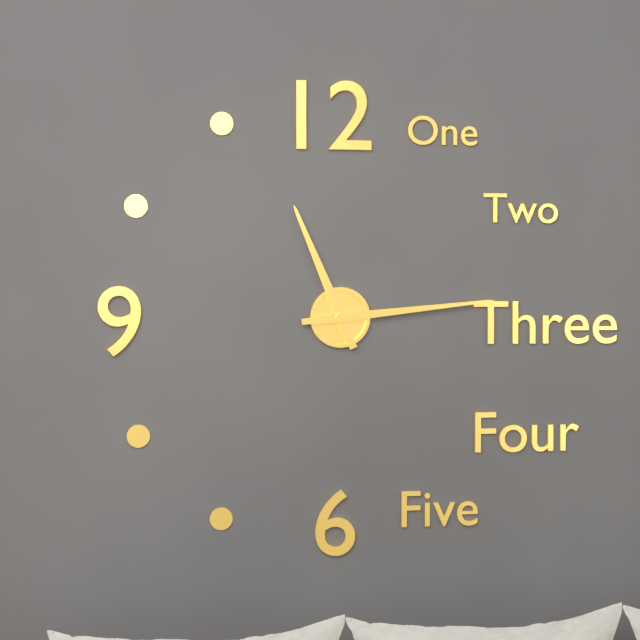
11:14
